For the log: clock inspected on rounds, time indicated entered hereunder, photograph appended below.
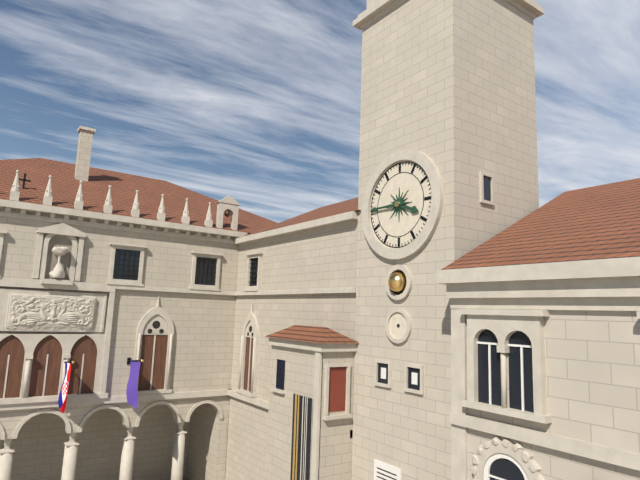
3:45
